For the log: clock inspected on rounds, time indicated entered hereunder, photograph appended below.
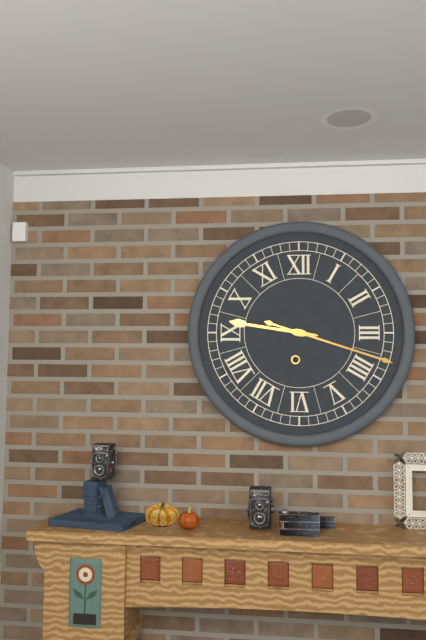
9:18
